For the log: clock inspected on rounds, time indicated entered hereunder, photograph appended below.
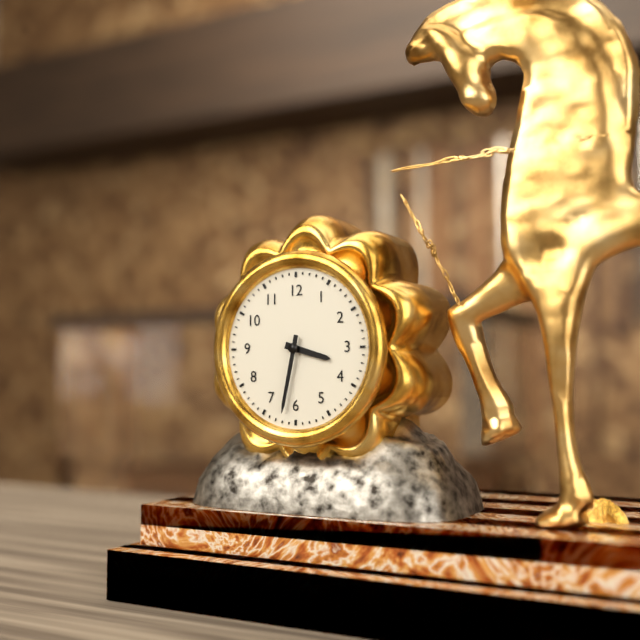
3:32
